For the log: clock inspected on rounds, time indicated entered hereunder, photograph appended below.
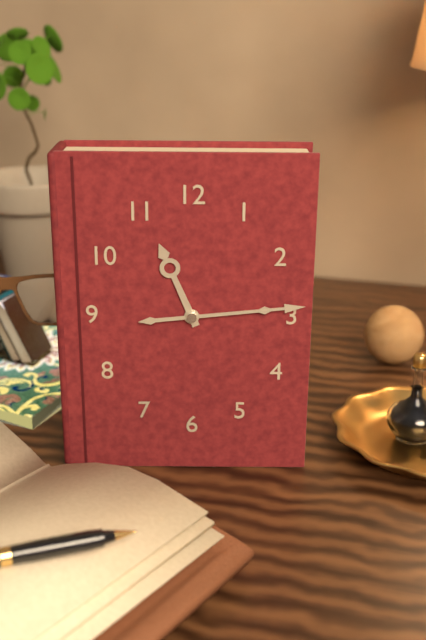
11:14
